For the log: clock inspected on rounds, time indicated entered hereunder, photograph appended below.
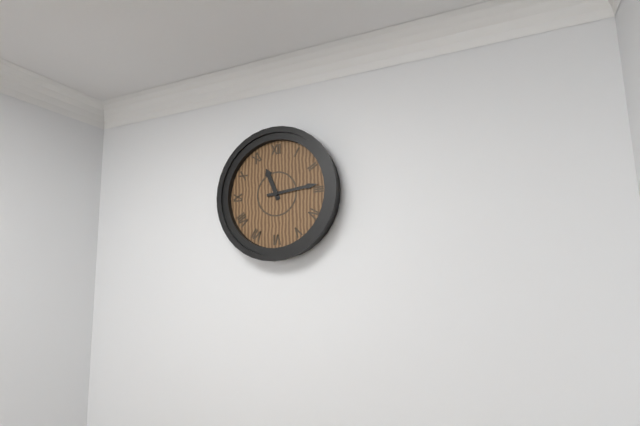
11:14
